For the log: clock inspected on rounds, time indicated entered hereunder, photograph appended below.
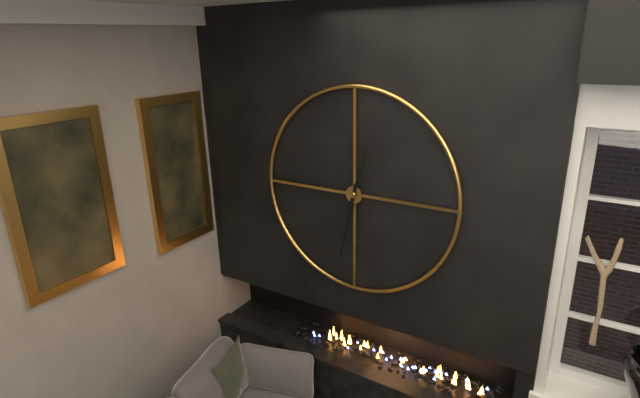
12:32
